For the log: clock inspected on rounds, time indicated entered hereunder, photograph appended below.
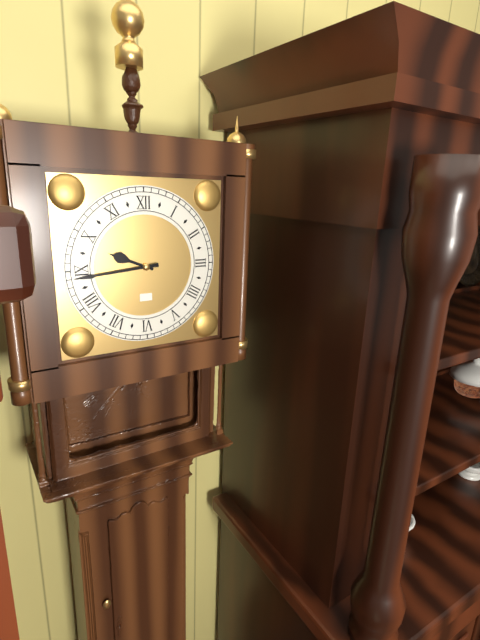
9:44
